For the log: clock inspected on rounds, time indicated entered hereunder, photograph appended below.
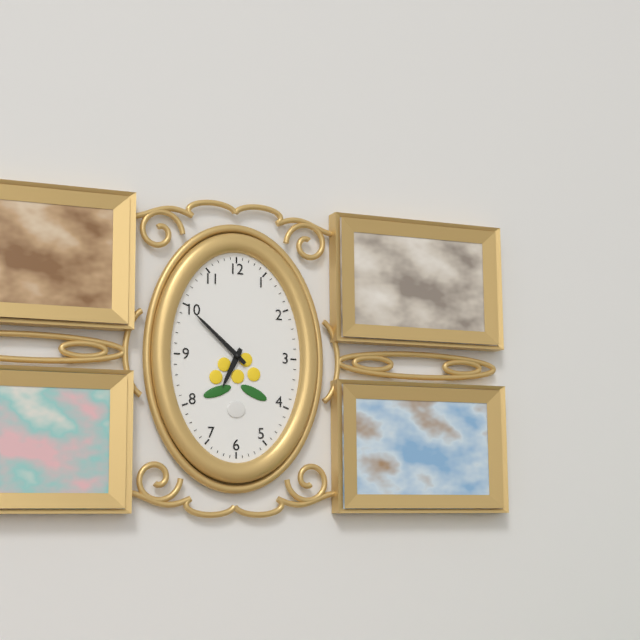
6:52
